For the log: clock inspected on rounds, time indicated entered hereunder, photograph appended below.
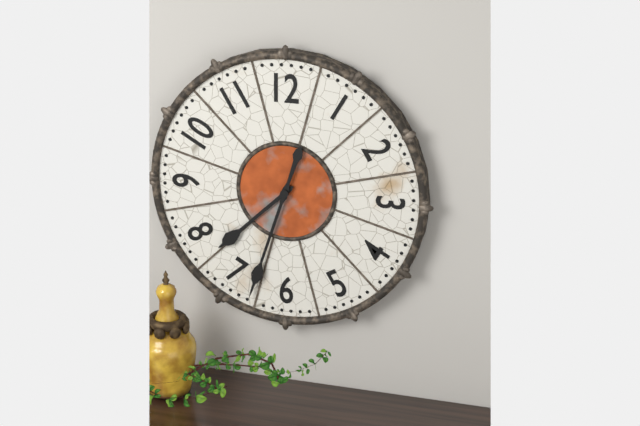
7:33
